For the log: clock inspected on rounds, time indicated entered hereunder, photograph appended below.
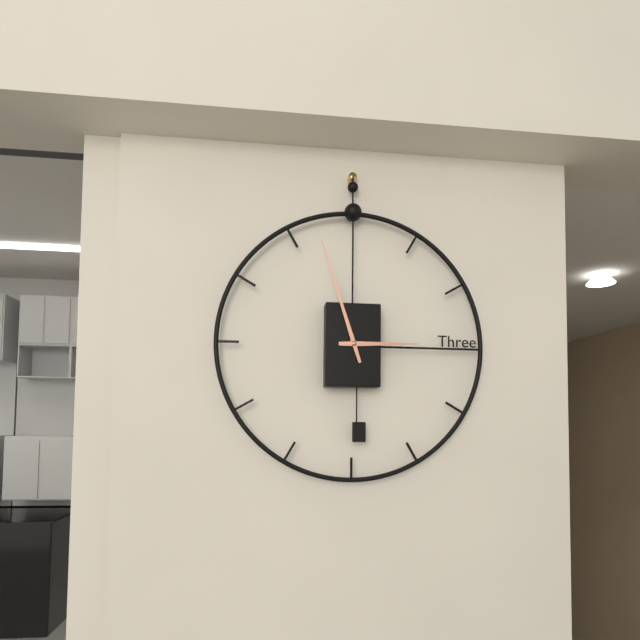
2:57
